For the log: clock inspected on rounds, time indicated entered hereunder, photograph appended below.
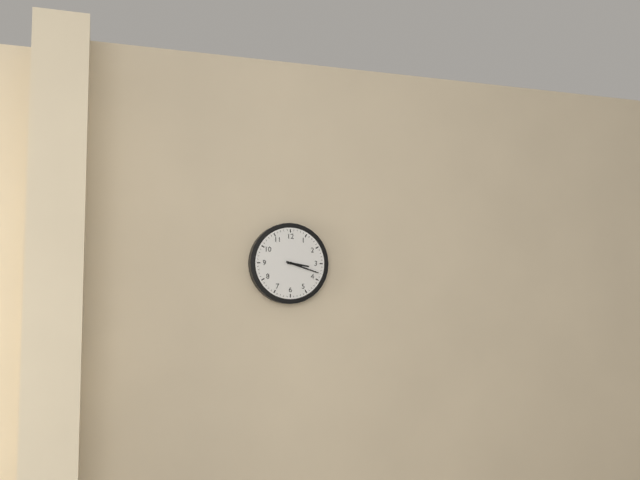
3:18
